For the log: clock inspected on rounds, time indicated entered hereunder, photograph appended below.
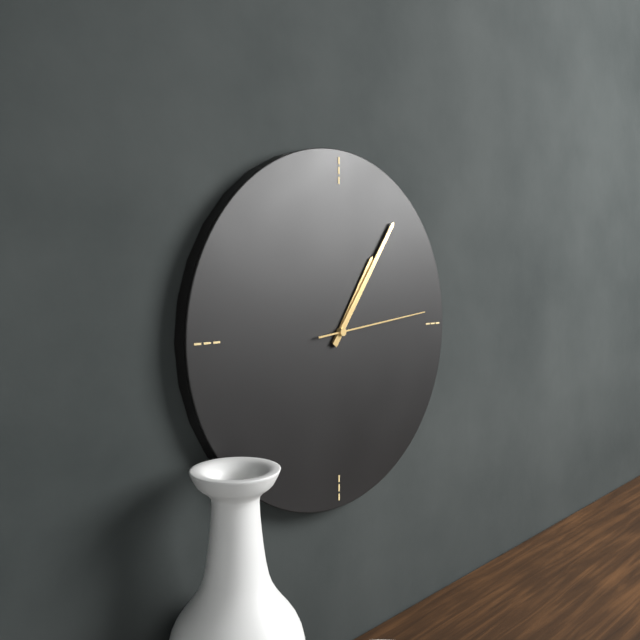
1:06:14
